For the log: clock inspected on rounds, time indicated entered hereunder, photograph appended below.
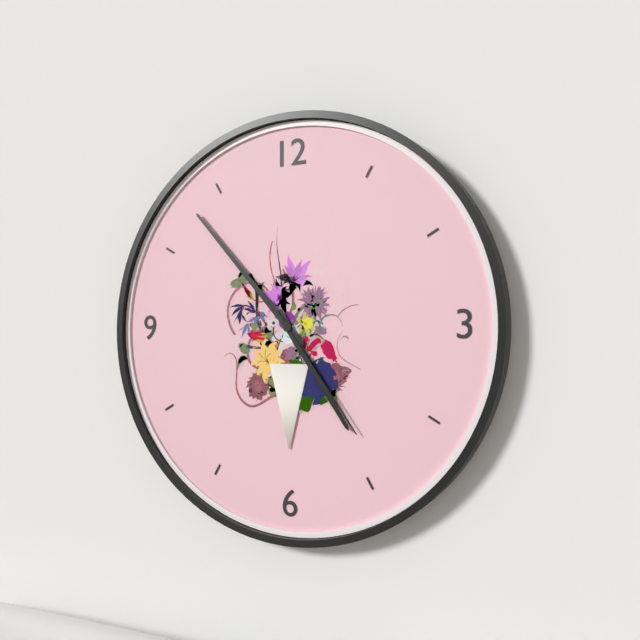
4:53:24
